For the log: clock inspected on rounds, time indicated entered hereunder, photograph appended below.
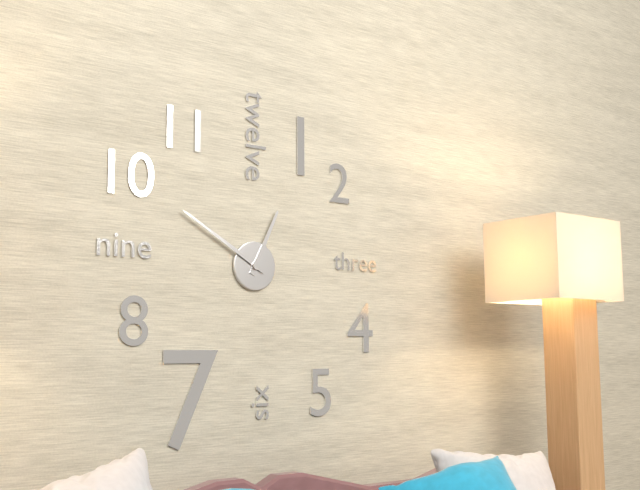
12:50
